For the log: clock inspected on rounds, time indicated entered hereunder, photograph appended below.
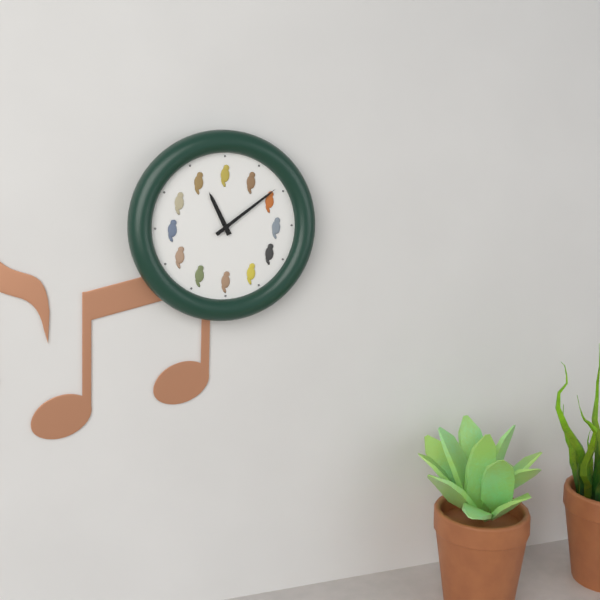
11:09
